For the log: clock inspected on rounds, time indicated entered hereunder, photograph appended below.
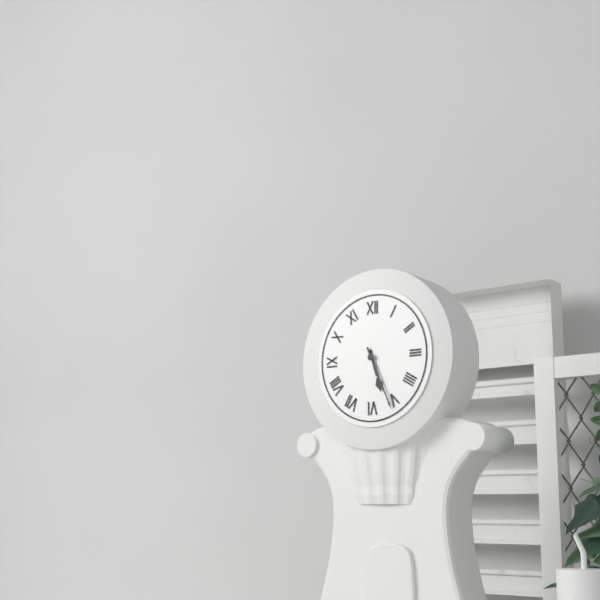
5:26
